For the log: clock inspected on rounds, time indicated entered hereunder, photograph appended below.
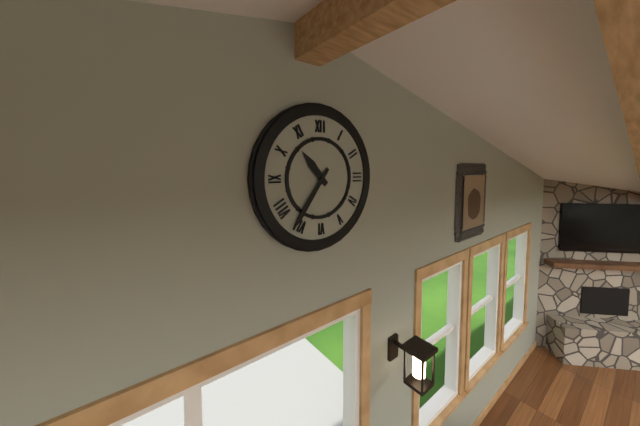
10:36
